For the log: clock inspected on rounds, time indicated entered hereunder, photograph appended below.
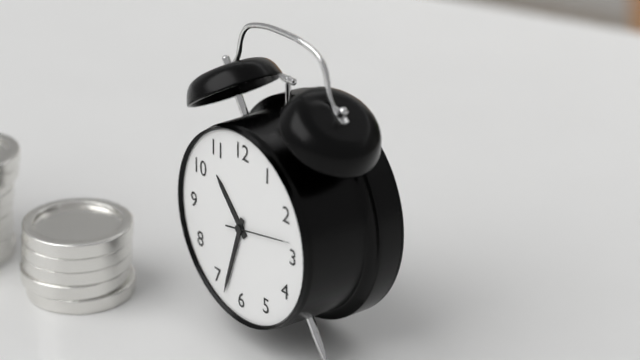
10:33:13
